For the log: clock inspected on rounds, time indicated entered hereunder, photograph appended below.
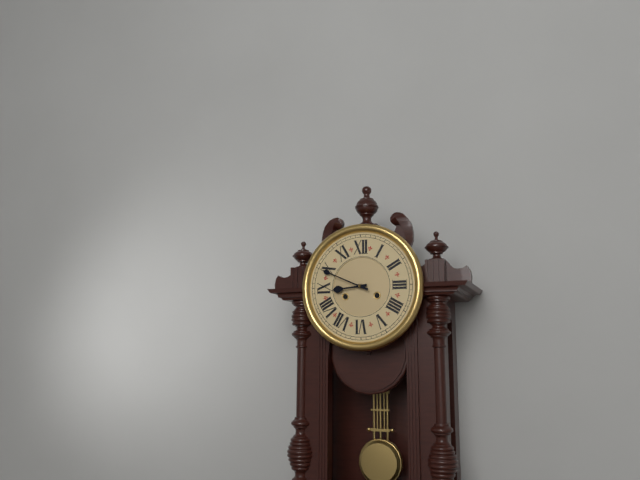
8:49
